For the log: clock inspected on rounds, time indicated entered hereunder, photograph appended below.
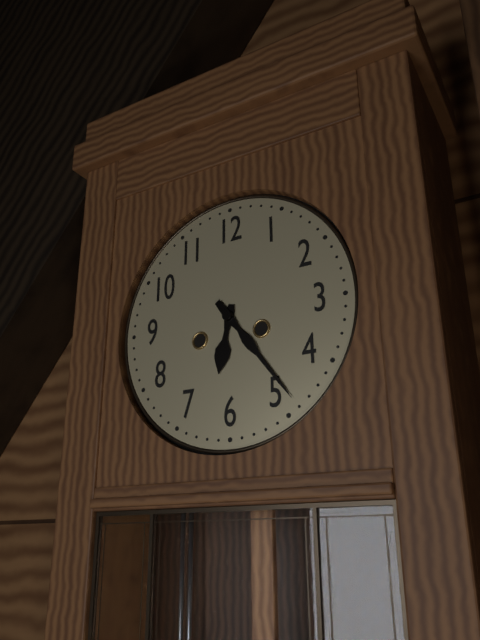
6:24
